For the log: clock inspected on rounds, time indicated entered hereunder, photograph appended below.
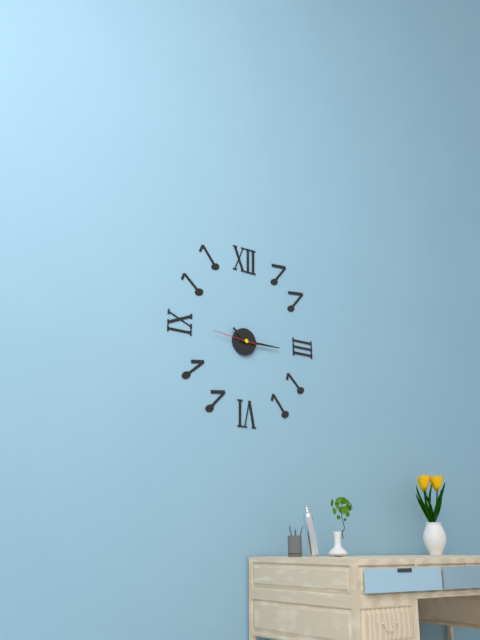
10:15
